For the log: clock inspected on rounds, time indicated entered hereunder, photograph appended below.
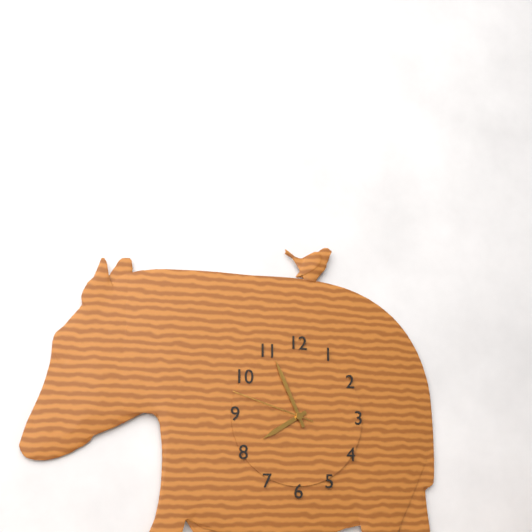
7:56:48
